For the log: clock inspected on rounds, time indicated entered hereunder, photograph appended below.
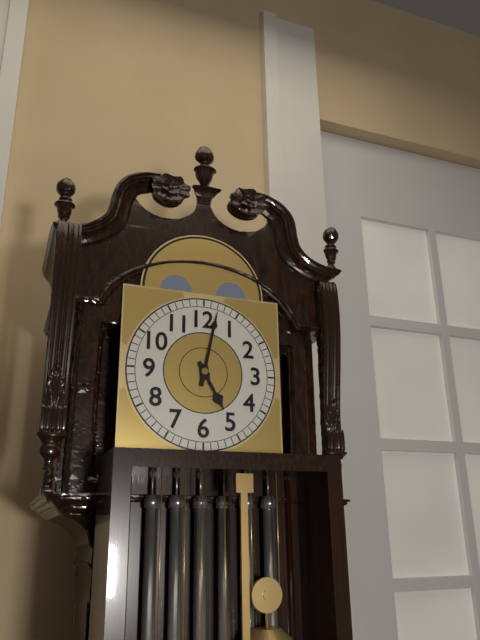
5:02
